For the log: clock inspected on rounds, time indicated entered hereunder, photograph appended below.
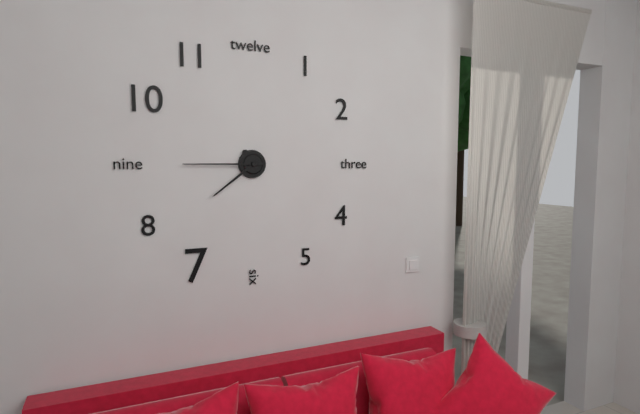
7:45
